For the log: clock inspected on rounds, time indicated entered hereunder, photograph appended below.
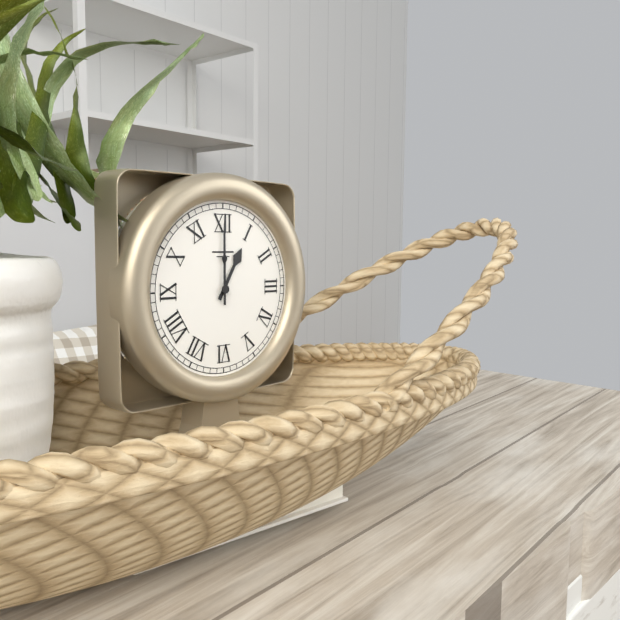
1:00
